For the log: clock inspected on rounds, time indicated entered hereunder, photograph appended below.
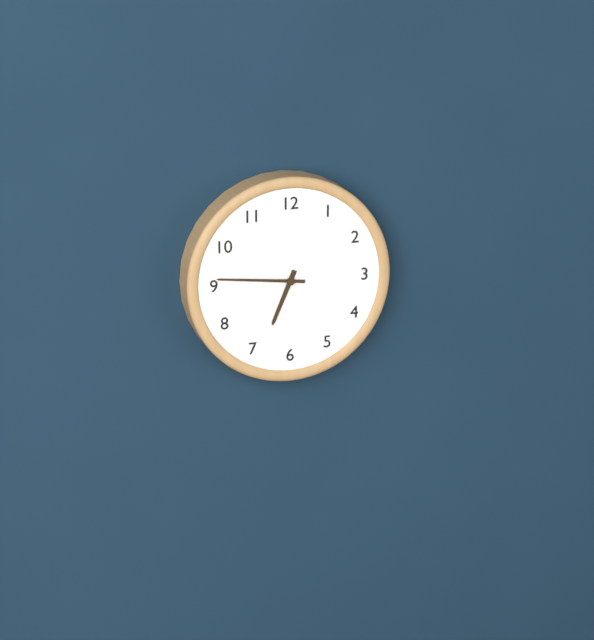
6:46
